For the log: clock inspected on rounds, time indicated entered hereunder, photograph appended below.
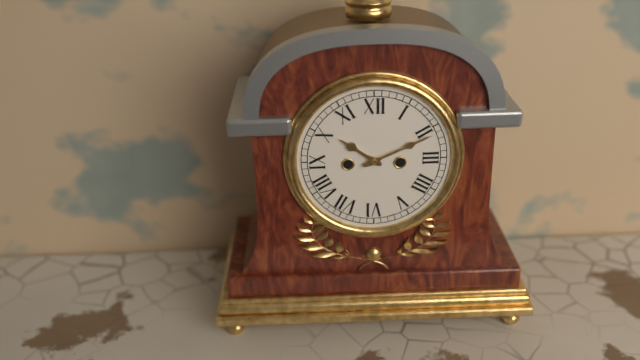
10:11
